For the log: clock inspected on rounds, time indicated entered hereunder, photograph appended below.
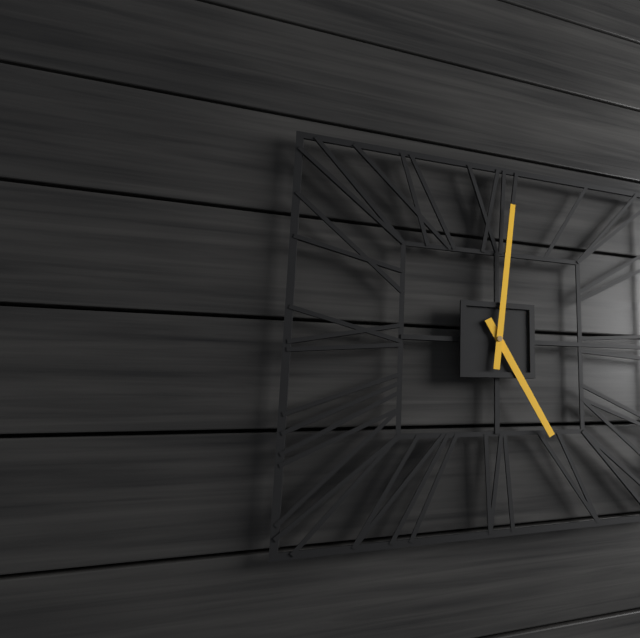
5:01
